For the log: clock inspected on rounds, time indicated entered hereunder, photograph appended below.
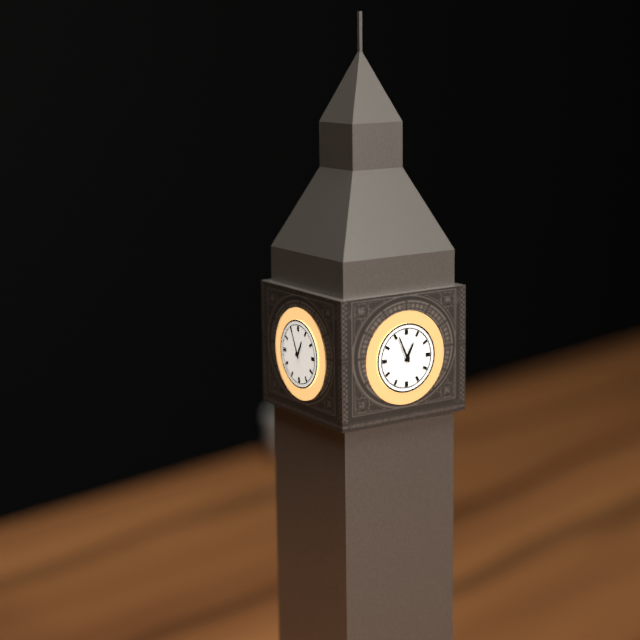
12:56
